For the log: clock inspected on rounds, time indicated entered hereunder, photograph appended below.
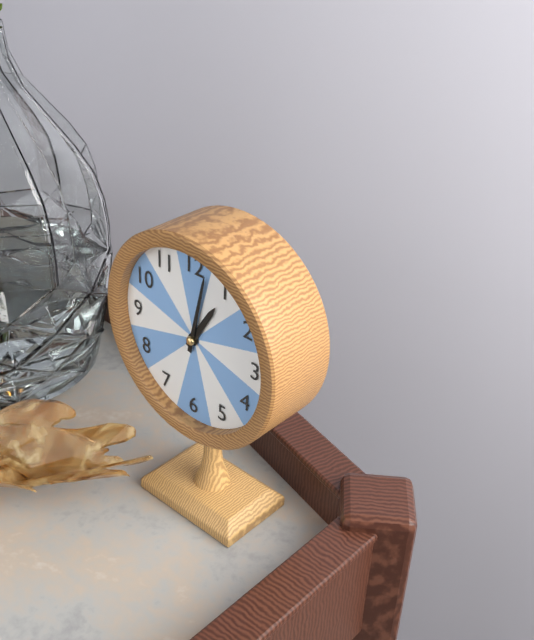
1:02
